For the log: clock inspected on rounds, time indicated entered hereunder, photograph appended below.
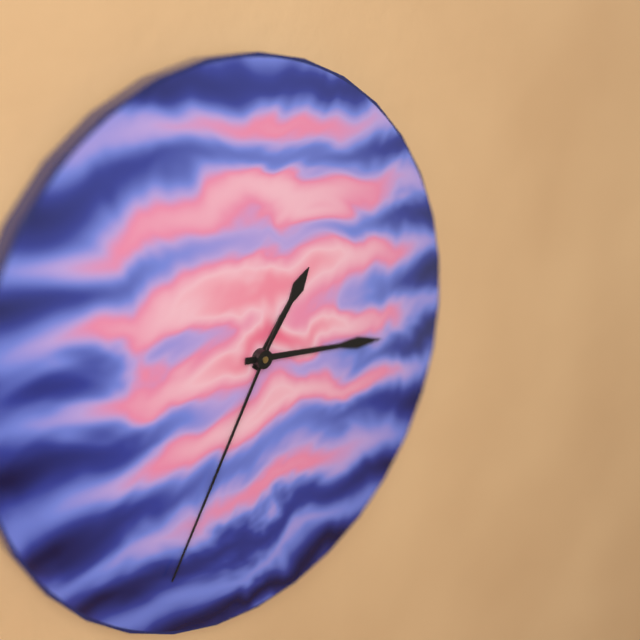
1:16:35
